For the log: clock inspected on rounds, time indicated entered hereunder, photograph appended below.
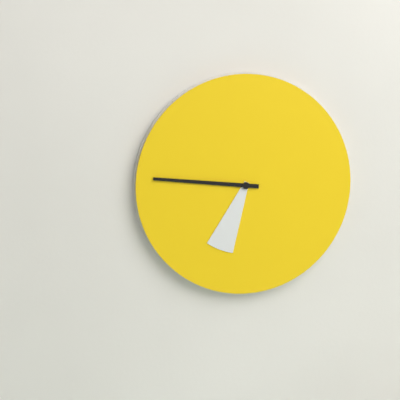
6:46
